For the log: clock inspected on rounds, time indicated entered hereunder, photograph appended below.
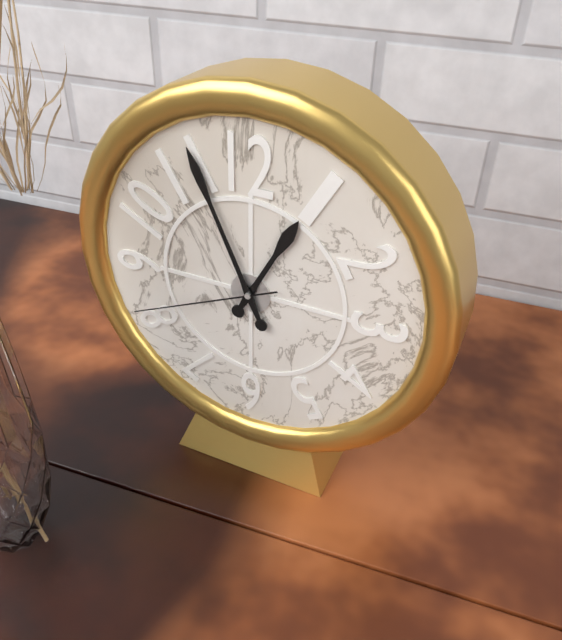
12:56:41
